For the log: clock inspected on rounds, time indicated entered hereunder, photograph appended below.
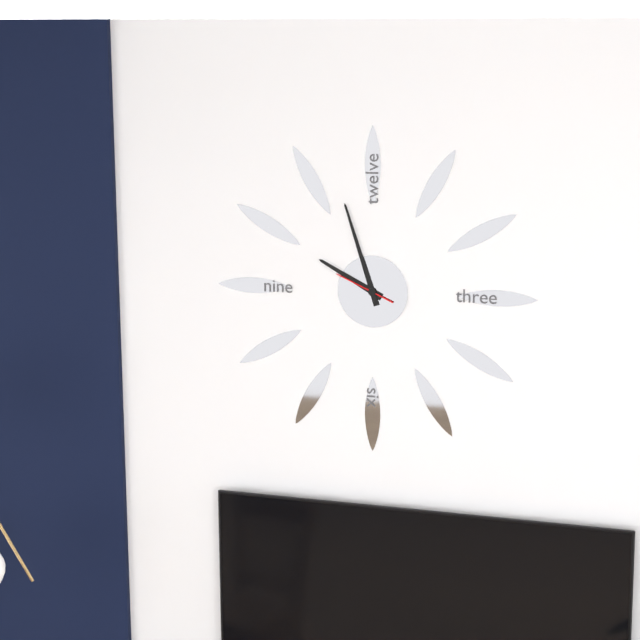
9:57:49
